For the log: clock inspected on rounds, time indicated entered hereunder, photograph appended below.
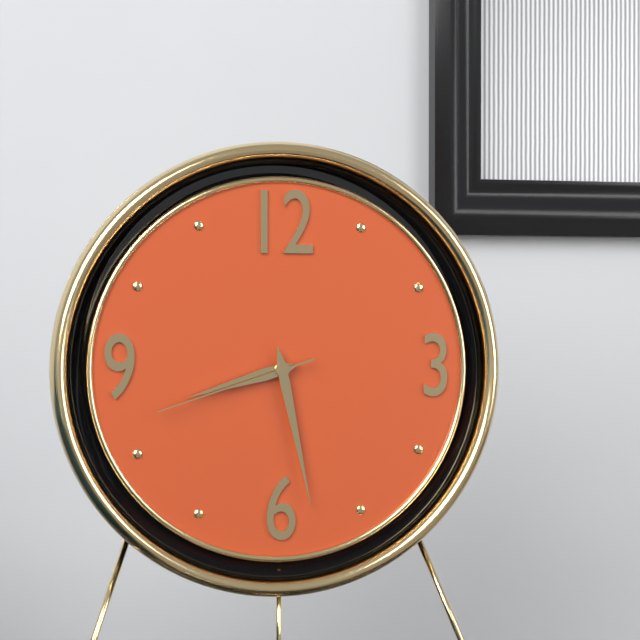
8:28:42
